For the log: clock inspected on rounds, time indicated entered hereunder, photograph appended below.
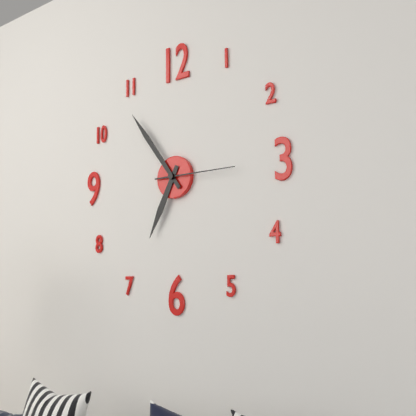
6:54:15
